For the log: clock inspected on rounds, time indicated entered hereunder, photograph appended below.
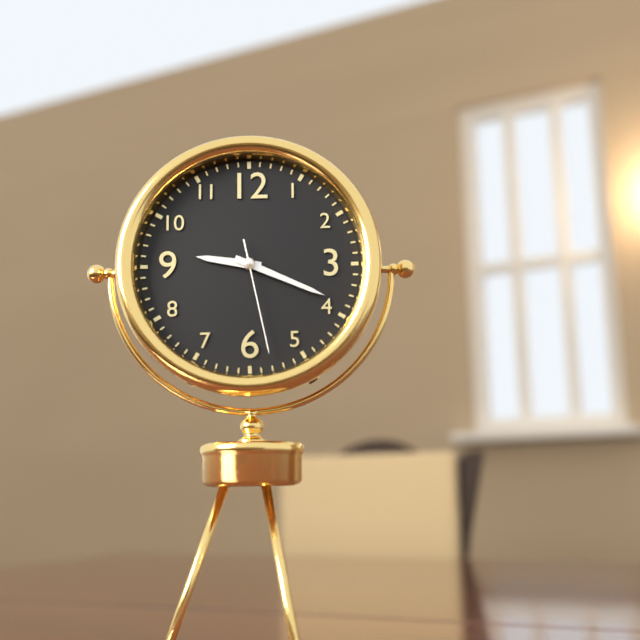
9:19:28
